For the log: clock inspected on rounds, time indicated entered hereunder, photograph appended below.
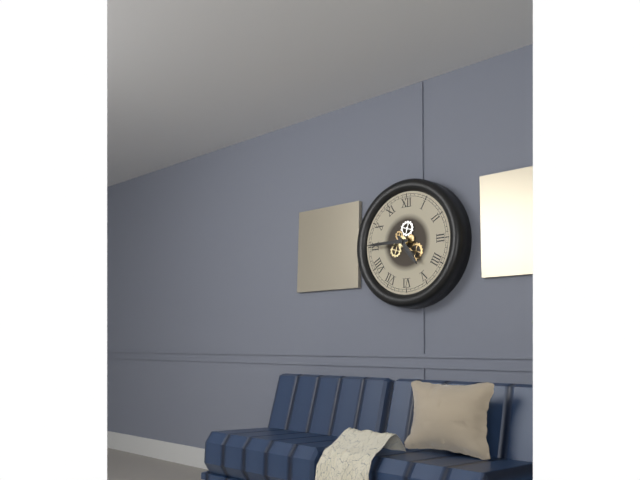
4:45
